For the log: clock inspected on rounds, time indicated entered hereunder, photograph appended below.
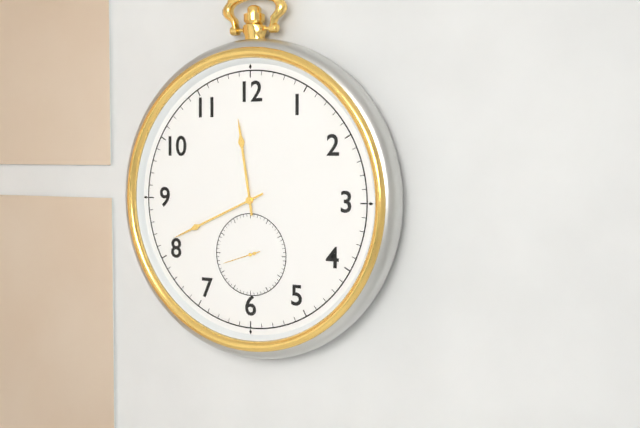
11:41
